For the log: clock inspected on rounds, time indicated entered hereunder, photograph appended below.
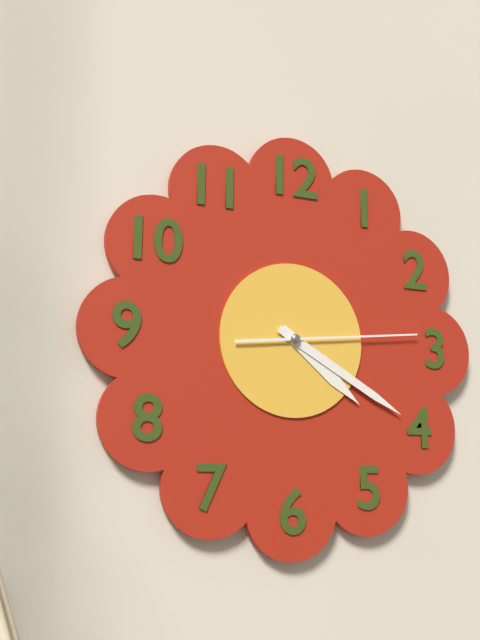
4:20:14
